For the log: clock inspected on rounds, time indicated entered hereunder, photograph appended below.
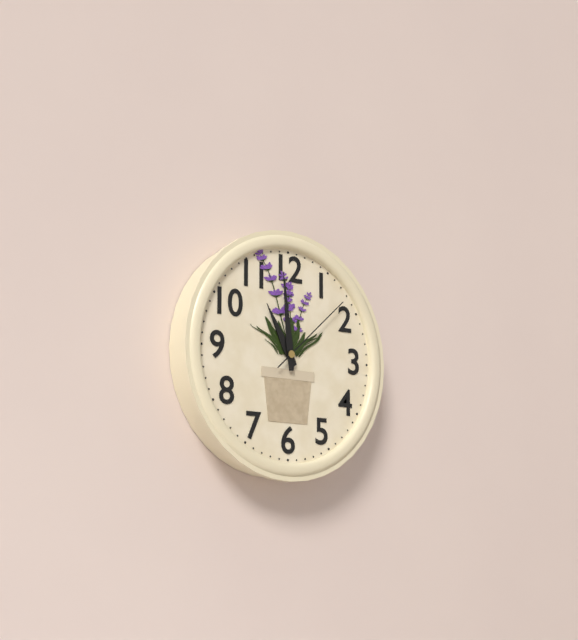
10:59:08
